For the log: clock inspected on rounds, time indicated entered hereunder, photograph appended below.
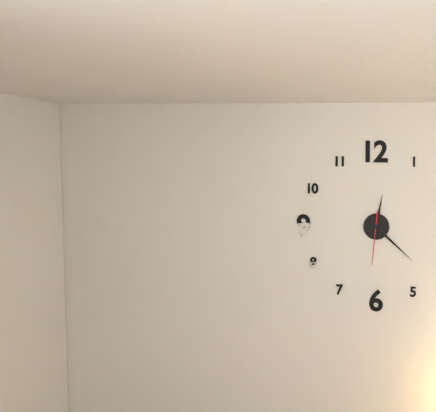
12:22
